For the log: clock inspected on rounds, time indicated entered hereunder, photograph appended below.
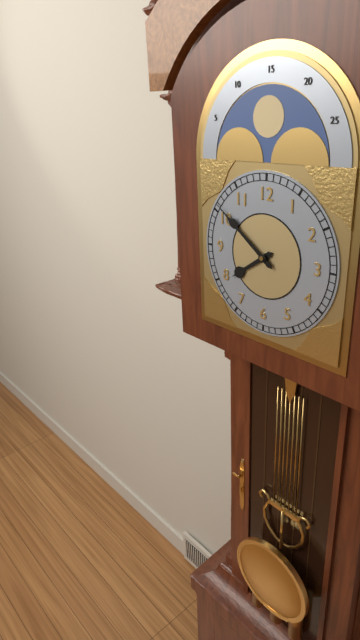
7:51
